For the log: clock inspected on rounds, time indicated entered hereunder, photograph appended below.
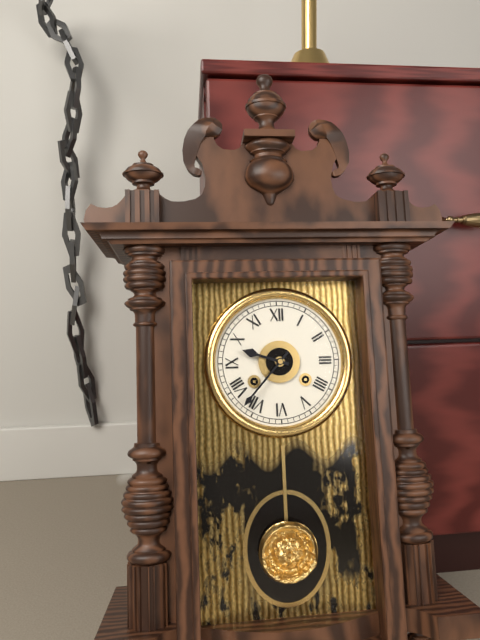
9:37
